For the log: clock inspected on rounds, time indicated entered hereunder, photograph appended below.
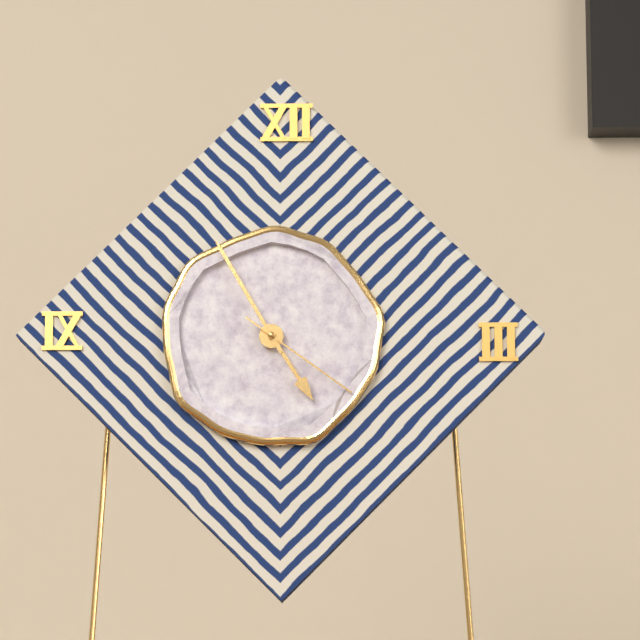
4:55:21
